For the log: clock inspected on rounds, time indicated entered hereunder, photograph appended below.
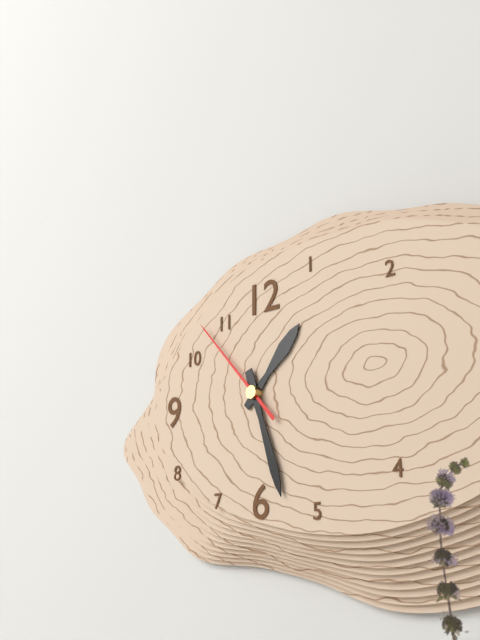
1:27:53
